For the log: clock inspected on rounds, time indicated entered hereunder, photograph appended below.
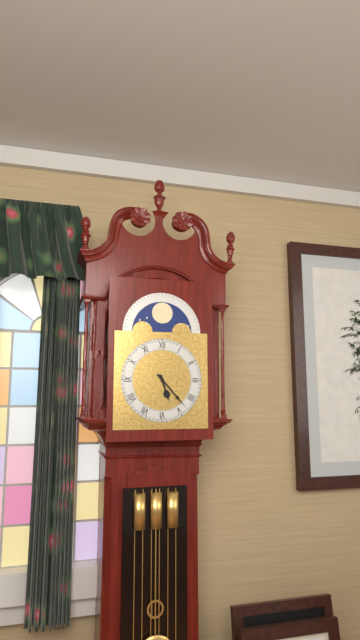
5:23
